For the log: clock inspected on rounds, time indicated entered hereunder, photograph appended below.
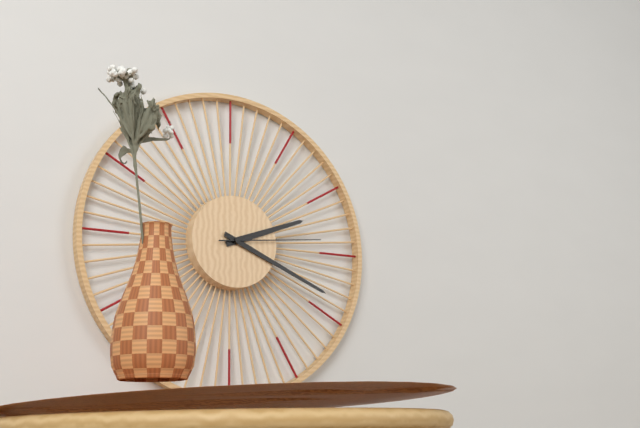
2:19:14
